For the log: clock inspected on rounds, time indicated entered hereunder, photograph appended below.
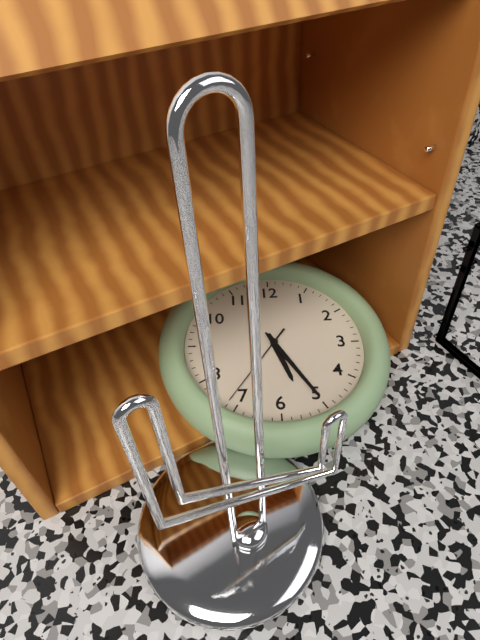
5:25:36
